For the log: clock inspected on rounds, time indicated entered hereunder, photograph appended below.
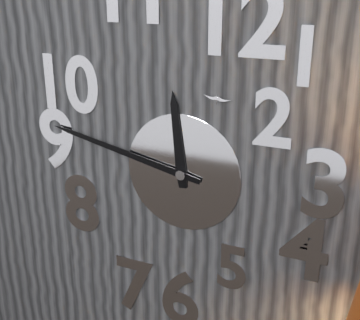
11:47
